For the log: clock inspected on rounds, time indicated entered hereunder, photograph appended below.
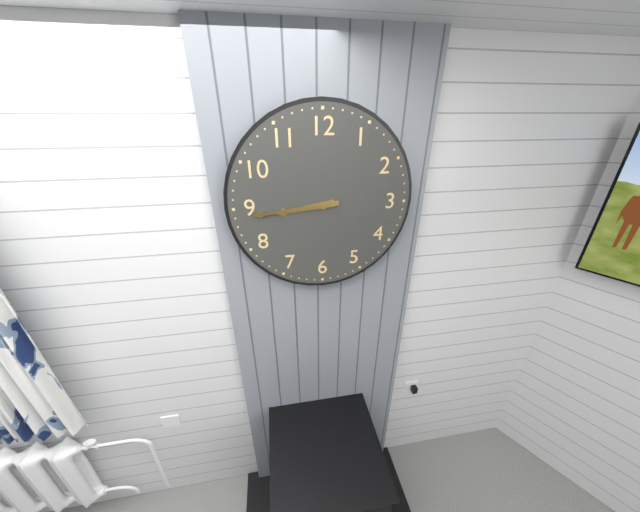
8:44
